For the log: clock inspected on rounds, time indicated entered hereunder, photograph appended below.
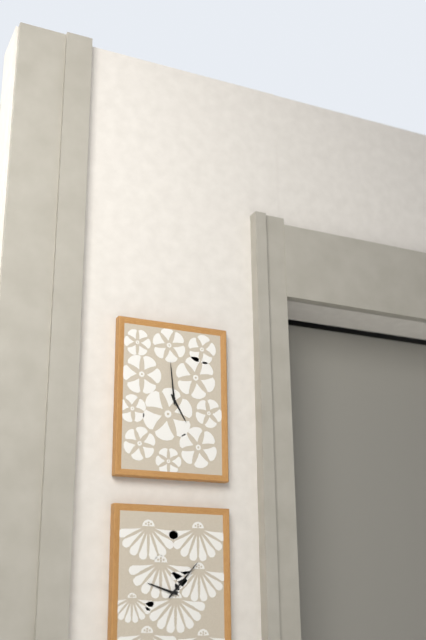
4:59
